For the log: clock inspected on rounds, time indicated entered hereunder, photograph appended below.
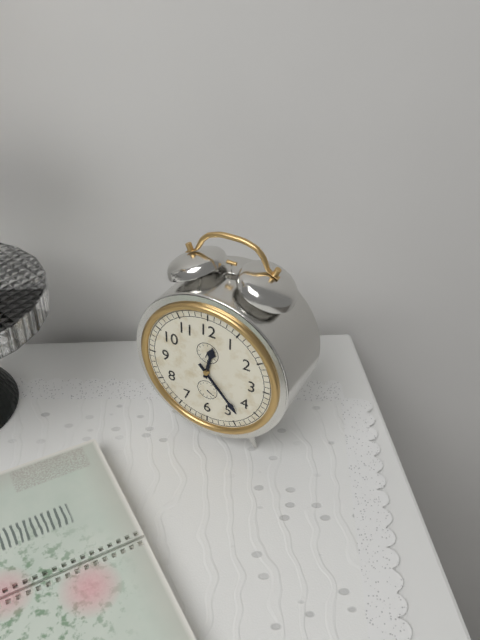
12:23
